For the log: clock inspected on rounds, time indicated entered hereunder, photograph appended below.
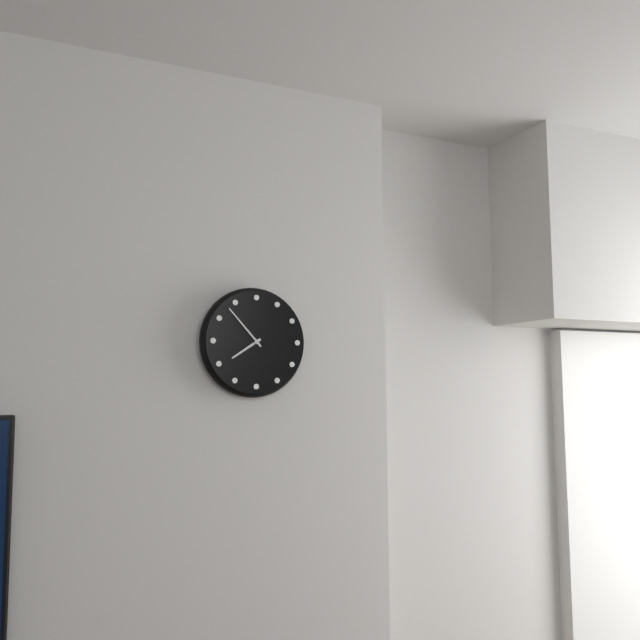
7:53
